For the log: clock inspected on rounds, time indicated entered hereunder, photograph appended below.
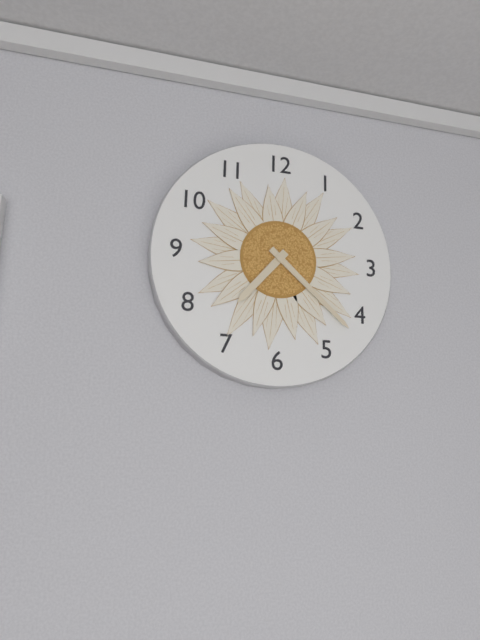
7:22
